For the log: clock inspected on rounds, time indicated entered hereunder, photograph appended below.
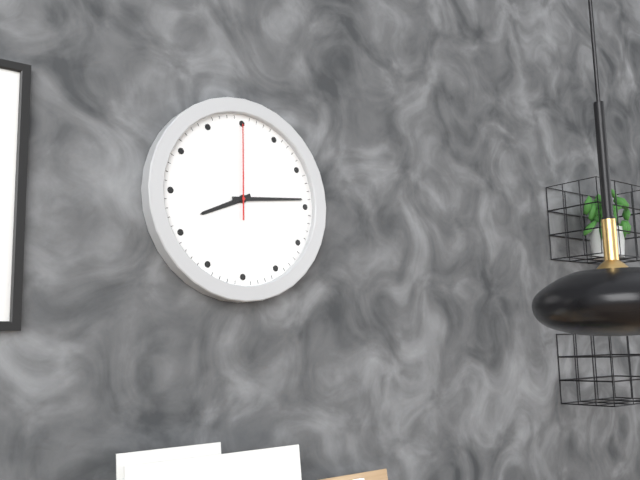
8:14:00
